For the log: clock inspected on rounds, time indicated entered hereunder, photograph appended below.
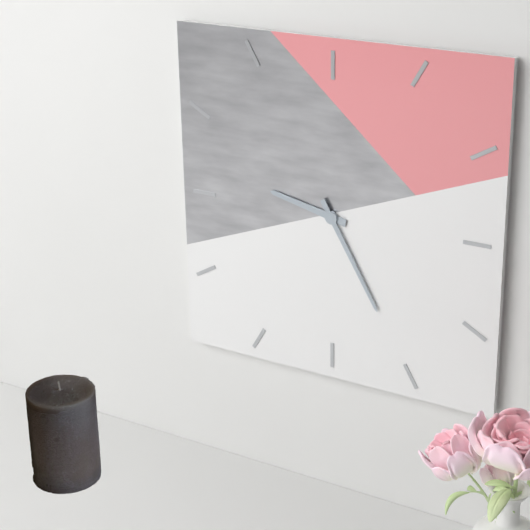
9:25
